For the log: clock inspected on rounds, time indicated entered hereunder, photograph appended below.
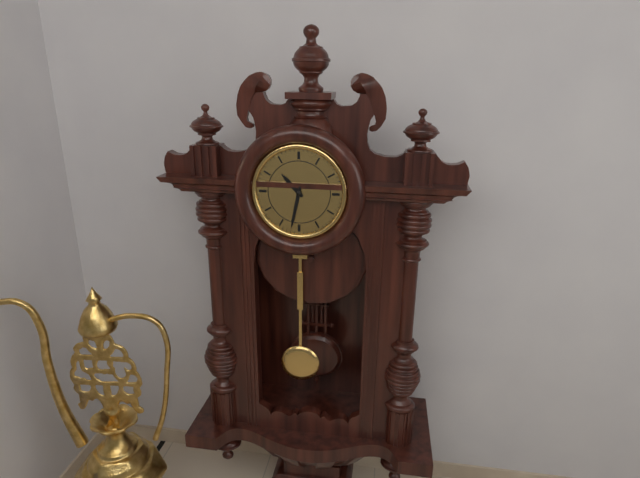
10:32
